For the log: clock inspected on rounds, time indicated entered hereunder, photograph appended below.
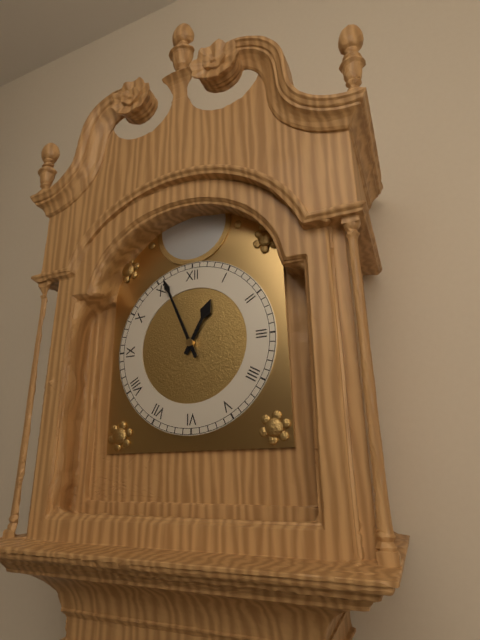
12:56
